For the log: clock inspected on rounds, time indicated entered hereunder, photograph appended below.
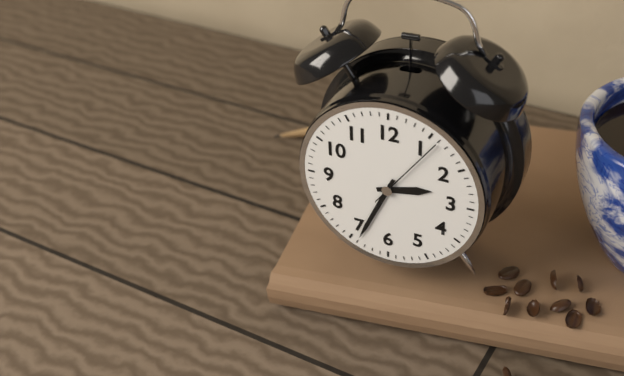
2:34:06
